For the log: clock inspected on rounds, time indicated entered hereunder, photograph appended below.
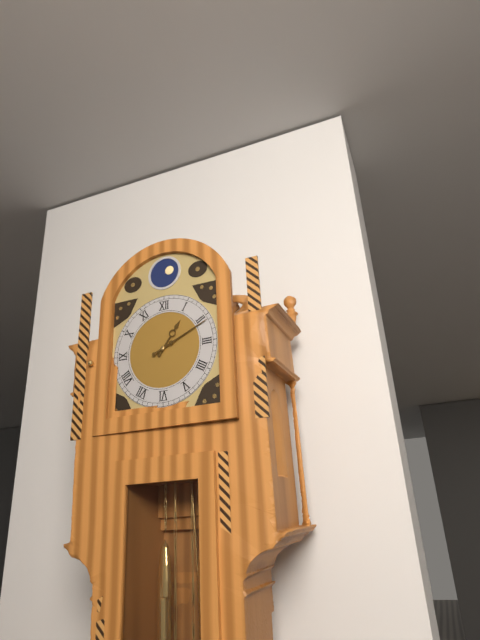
1:11
